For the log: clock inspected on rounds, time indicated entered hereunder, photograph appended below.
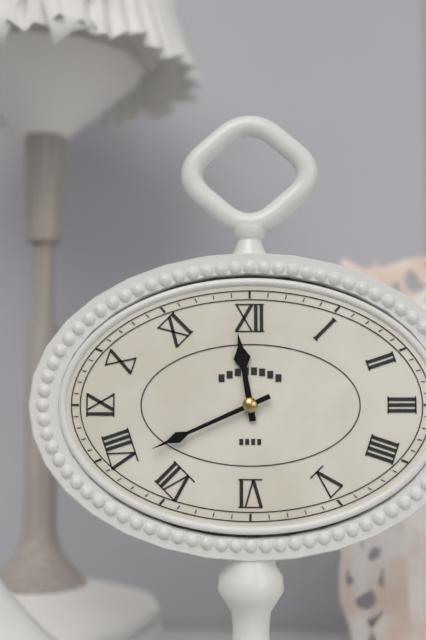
11:41
